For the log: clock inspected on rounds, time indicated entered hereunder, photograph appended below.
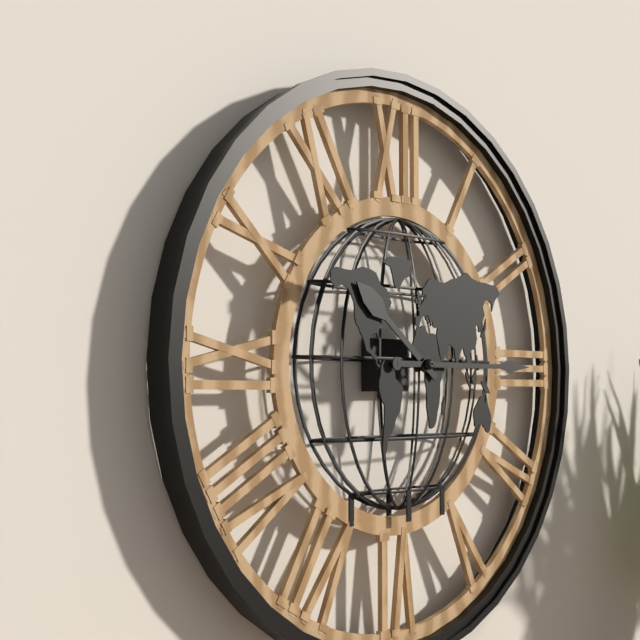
10:15
